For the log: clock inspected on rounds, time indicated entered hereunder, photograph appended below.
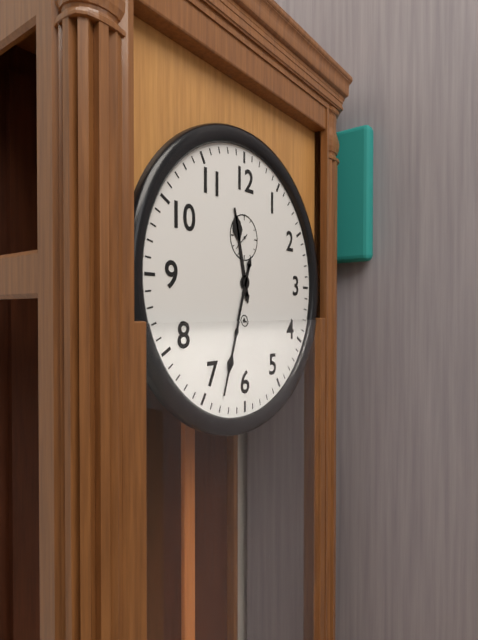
11:33
